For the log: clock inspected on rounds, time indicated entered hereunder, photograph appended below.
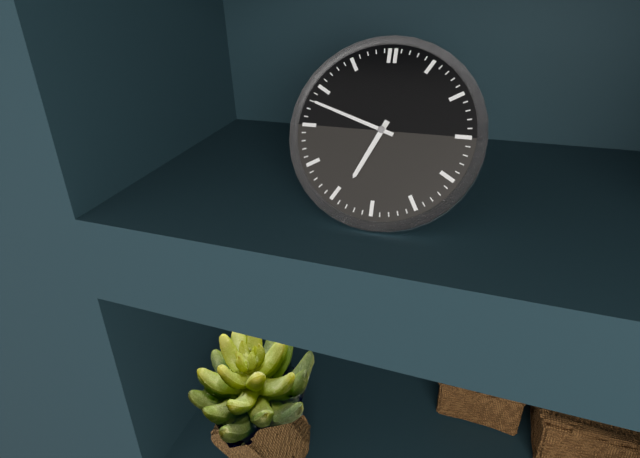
6:48
